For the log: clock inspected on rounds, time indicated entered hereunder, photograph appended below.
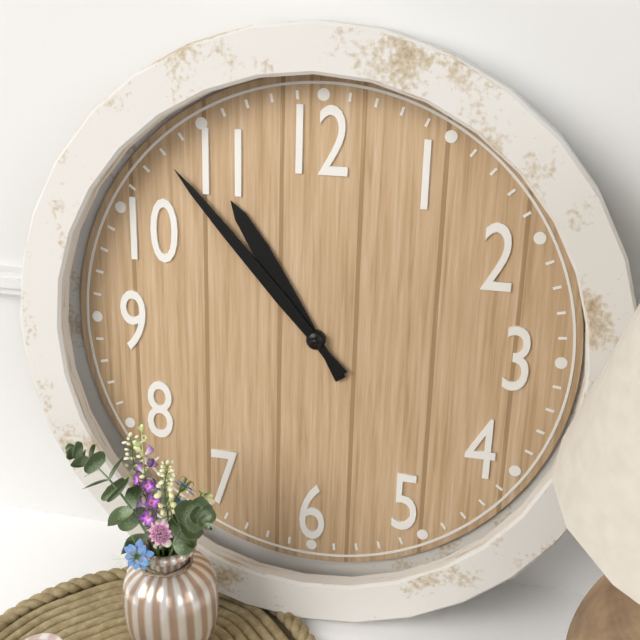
10:53
